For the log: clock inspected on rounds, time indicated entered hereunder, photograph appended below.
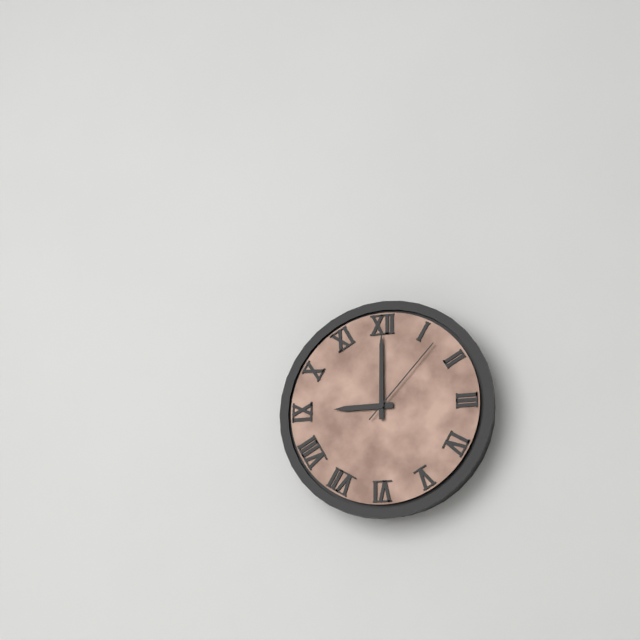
9:00:07
